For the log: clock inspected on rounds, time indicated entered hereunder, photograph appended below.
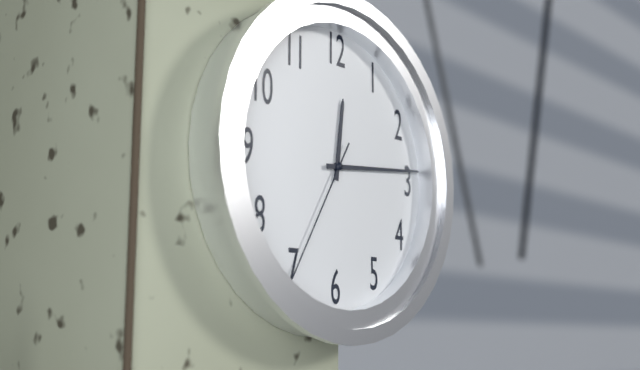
12:14:35
